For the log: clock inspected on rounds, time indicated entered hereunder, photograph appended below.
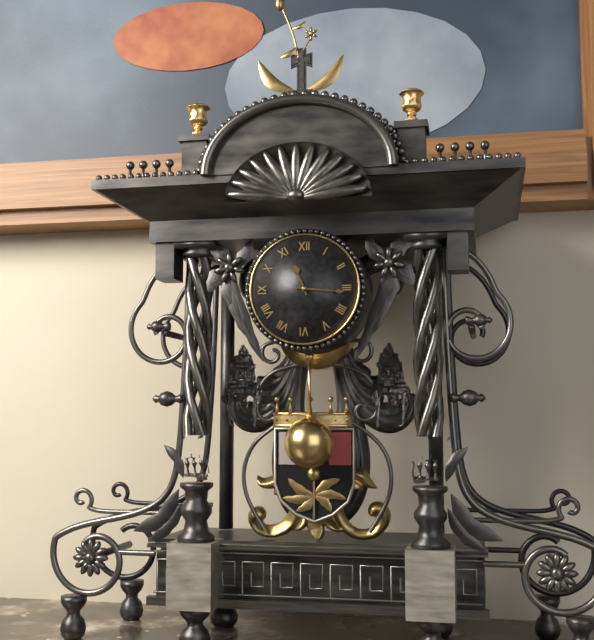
11:16
